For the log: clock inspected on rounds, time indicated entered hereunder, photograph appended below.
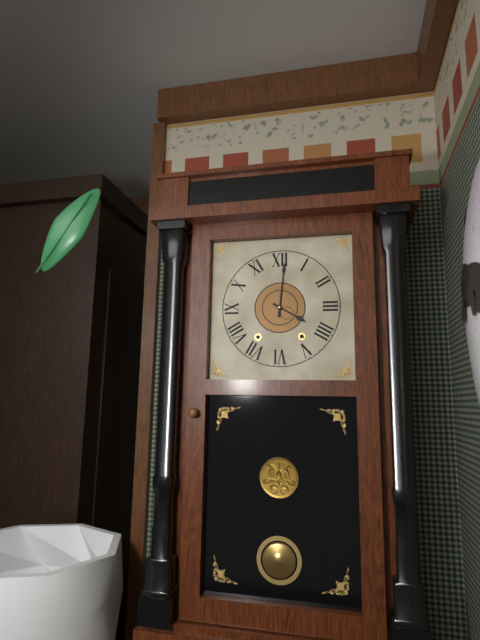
4:01
